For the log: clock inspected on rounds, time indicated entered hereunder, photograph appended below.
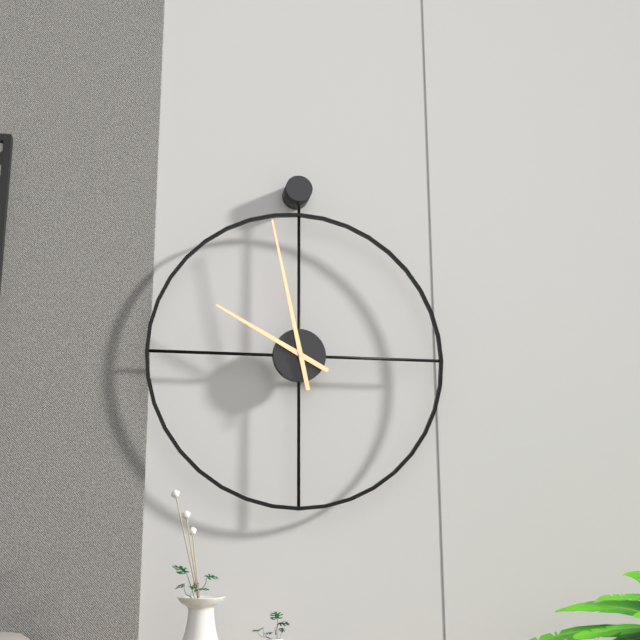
9:58
